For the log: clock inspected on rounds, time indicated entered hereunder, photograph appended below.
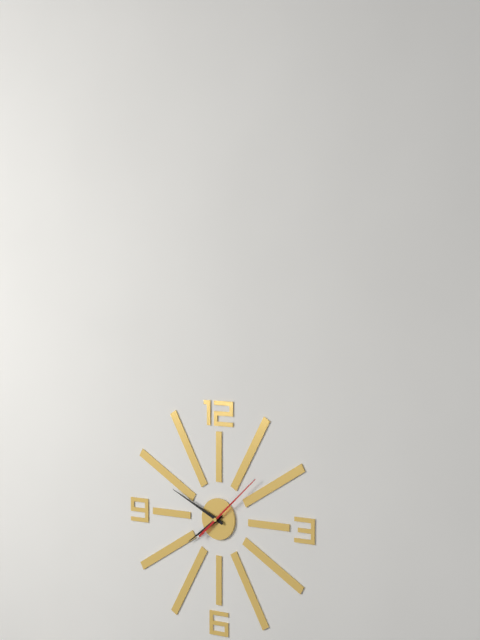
7:49:08
